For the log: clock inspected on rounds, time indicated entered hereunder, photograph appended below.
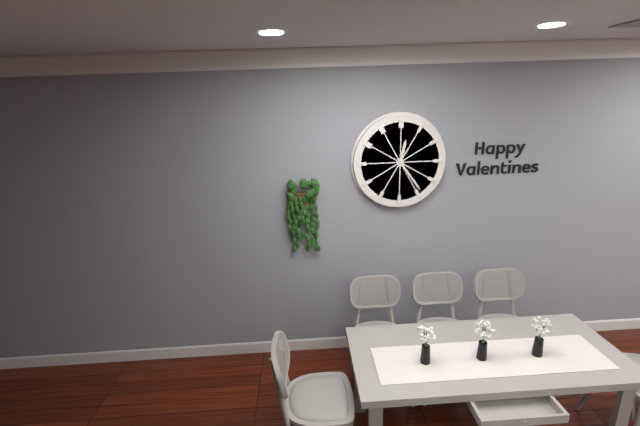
12:24
